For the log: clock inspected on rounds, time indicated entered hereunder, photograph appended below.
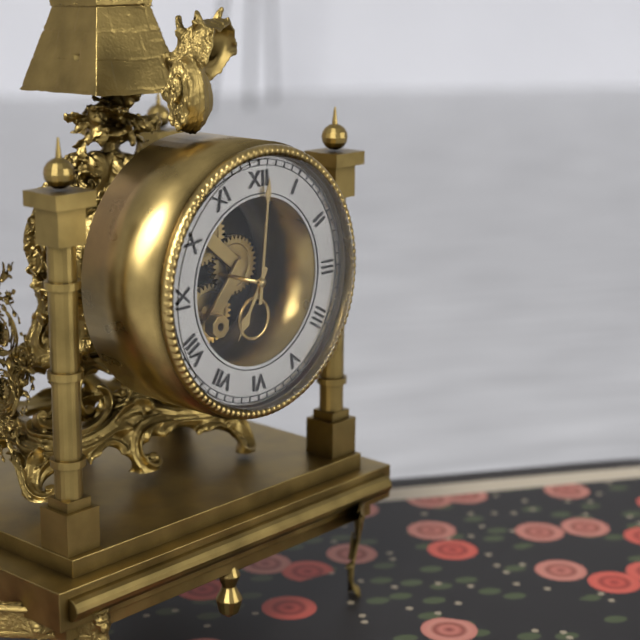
7:01
